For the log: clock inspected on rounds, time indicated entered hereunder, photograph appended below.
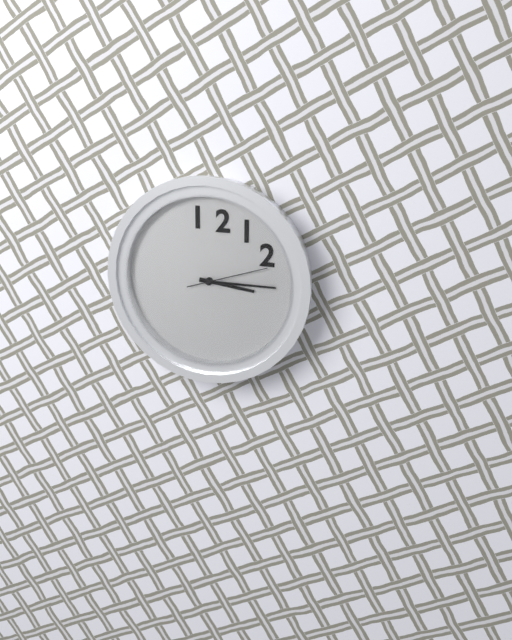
3:15:12
